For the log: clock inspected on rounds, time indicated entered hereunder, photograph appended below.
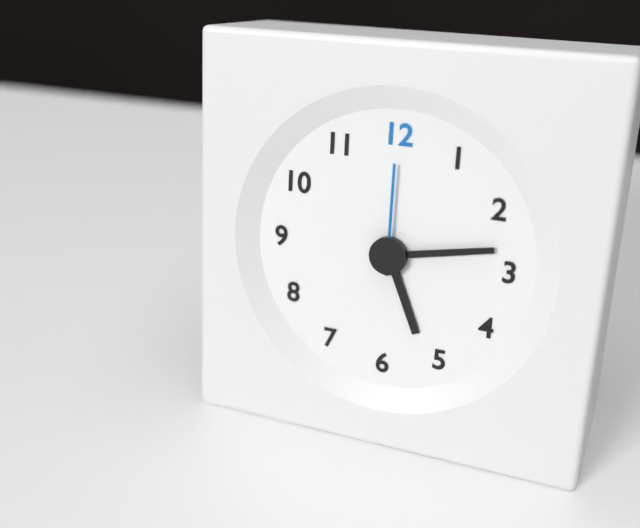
5:13:00
